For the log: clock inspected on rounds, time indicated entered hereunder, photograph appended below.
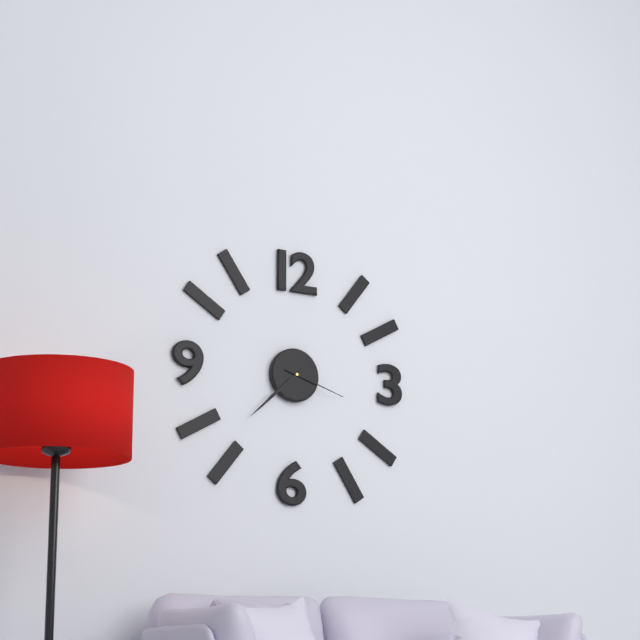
7:38:18
